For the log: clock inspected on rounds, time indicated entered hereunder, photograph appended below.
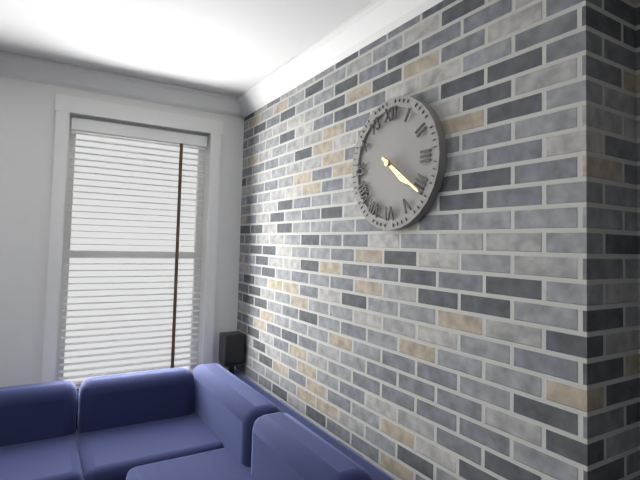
4:21
